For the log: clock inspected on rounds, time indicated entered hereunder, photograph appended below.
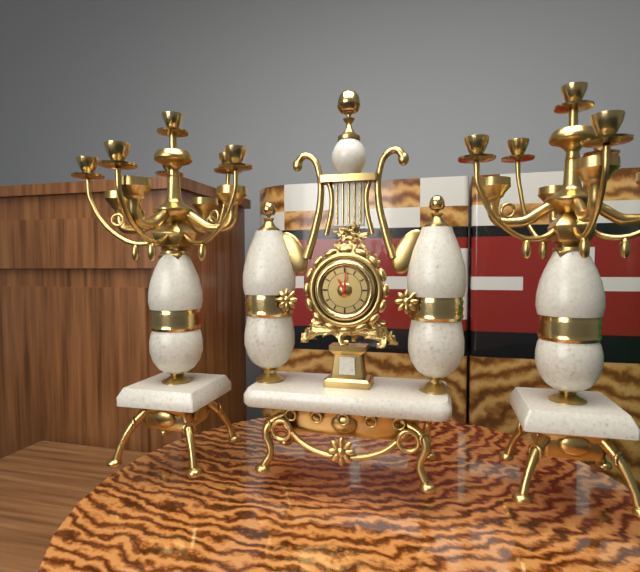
11:01
